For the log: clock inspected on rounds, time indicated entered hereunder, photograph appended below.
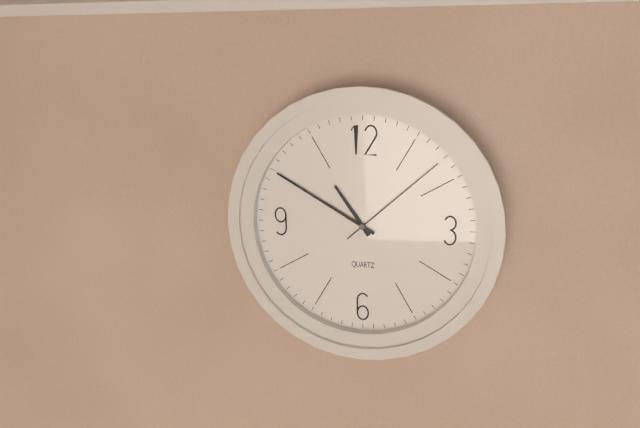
10:50:08
